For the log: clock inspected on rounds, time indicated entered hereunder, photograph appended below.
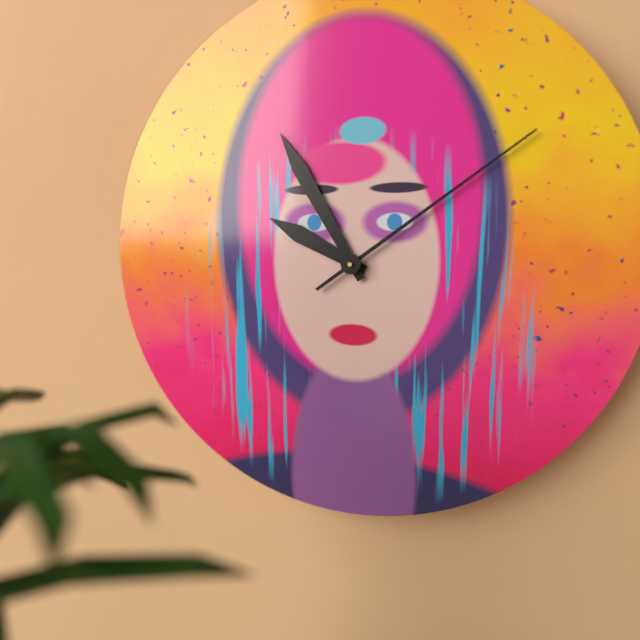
9:55:09
